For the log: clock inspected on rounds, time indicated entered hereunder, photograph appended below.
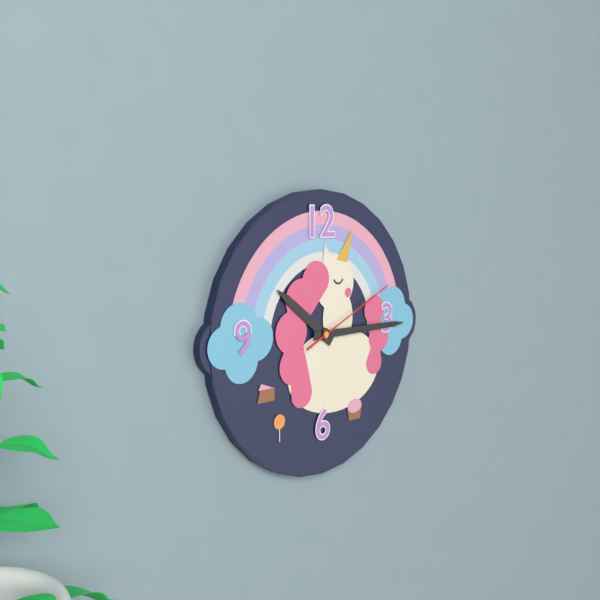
10:15:11
